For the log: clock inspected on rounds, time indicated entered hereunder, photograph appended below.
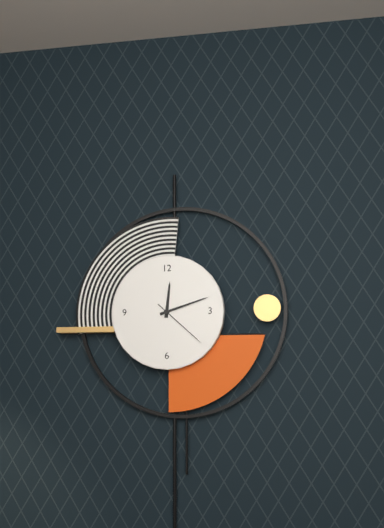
12:12:22
